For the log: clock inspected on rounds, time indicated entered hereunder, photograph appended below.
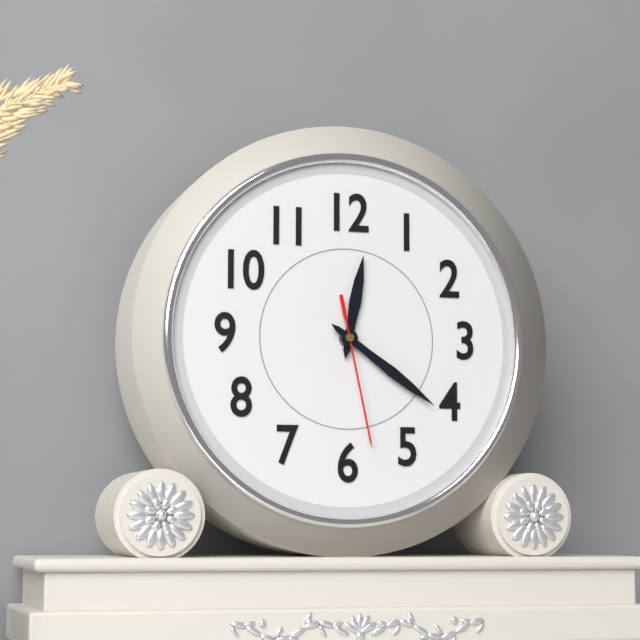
12:21:28
